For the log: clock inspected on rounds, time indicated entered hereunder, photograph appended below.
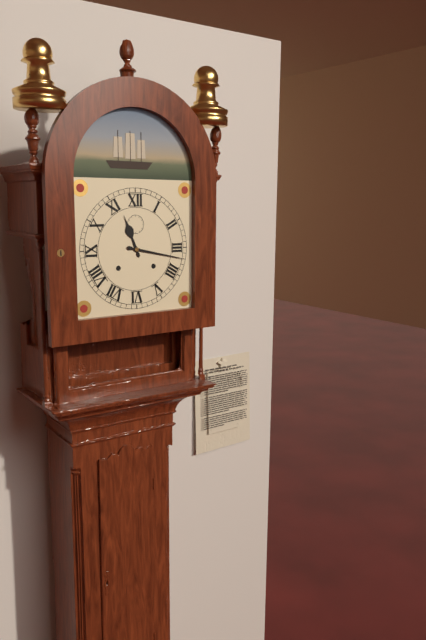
11:17
